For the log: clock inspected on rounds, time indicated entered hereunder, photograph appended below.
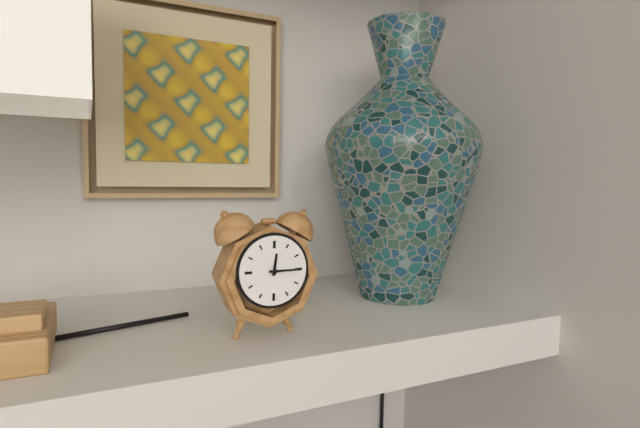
12:15
